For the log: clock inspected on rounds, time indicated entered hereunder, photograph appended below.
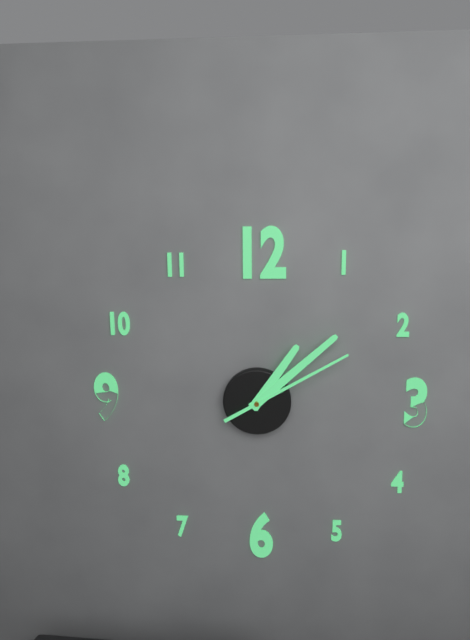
1:08:10
